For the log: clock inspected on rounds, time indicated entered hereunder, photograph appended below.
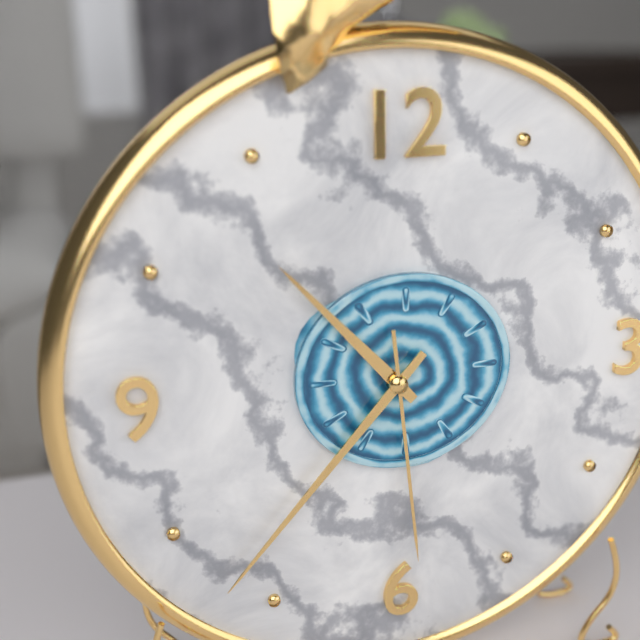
10:37:29
